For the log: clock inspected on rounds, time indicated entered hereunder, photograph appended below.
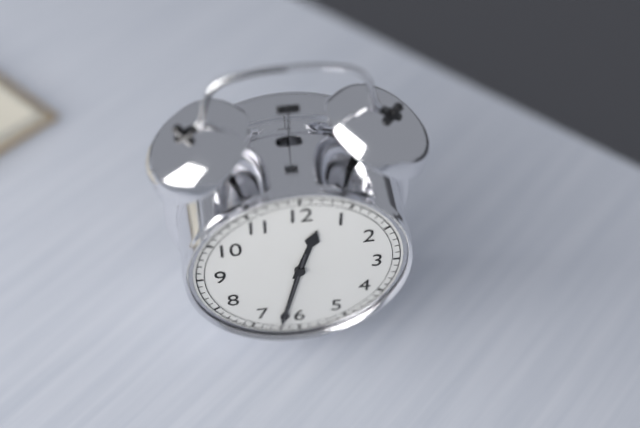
12:32:32
